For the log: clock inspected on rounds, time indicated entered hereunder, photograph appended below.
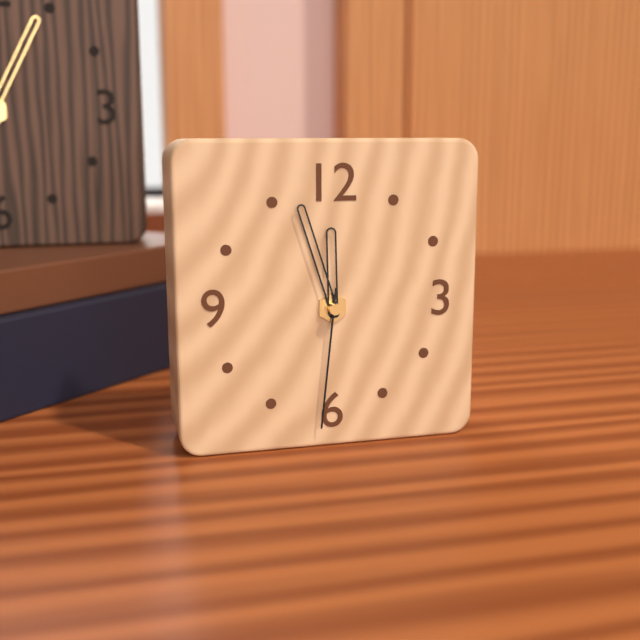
11:57:31
